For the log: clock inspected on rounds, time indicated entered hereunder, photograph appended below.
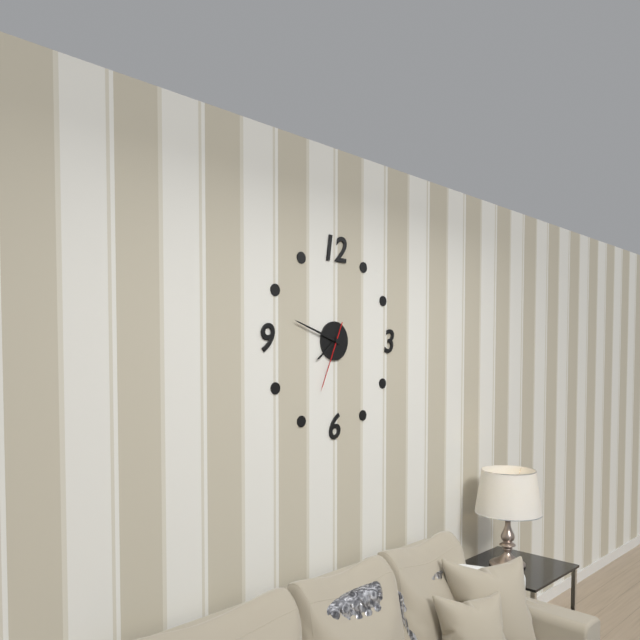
7:48:34
